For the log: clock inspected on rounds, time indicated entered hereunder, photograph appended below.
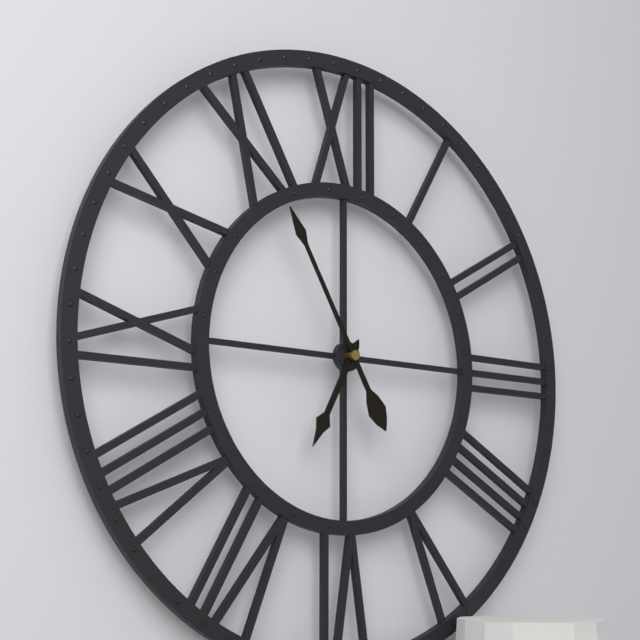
6:55
